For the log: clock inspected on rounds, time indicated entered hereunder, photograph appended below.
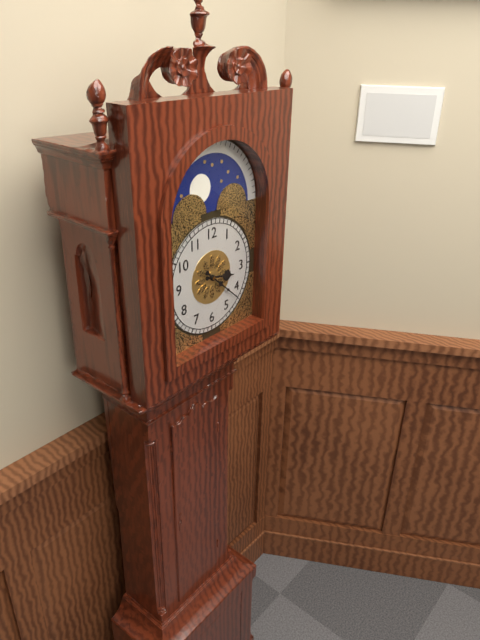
3:22
